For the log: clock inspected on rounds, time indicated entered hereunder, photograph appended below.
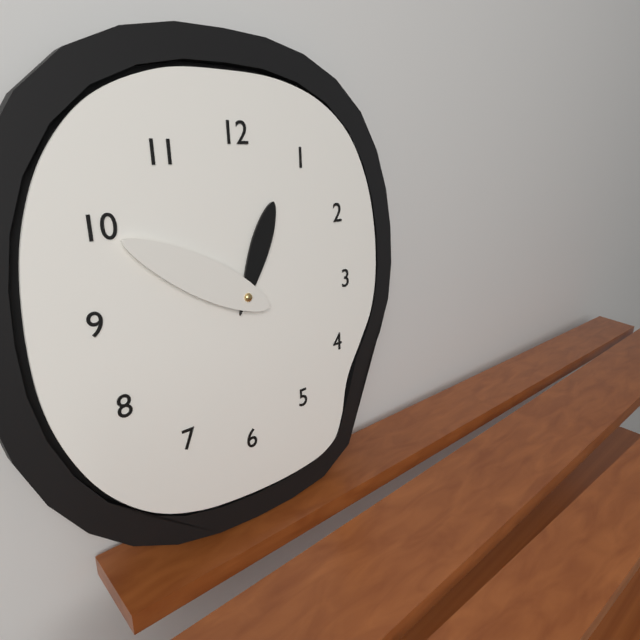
12:50
